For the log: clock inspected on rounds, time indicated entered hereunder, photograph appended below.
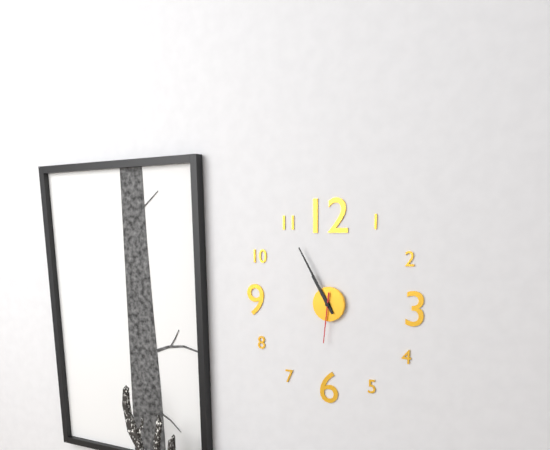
10:55
